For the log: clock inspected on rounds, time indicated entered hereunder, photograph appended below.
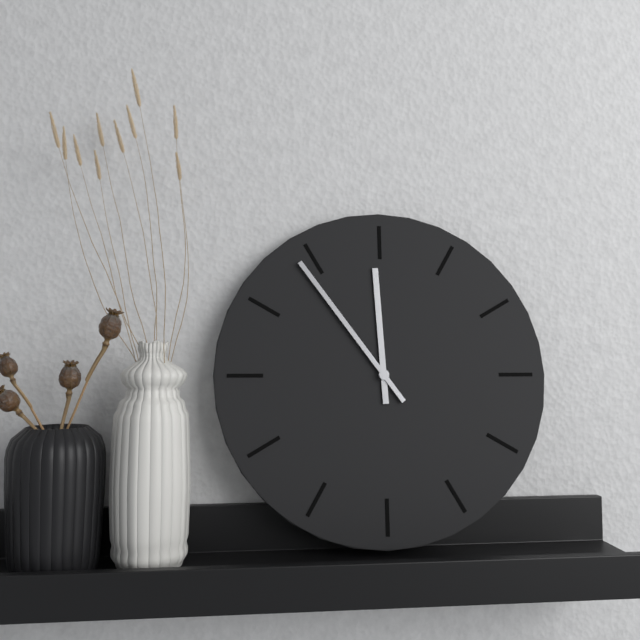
11:54
